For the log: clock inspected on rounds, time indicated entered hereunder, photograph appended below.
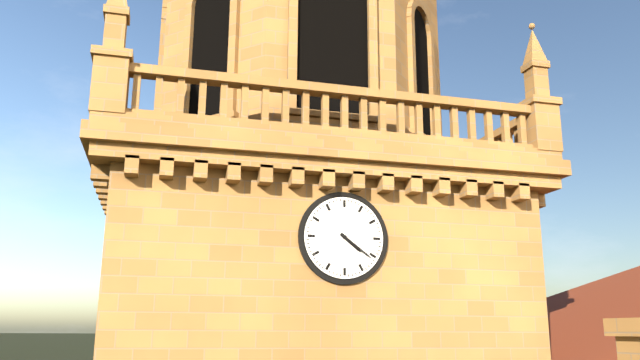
4:21
